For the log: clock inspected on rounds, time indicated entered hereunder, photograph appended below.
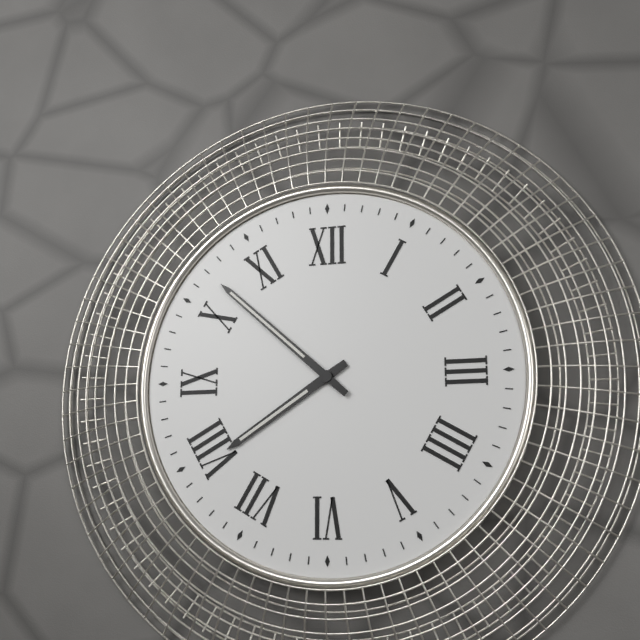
7:52
